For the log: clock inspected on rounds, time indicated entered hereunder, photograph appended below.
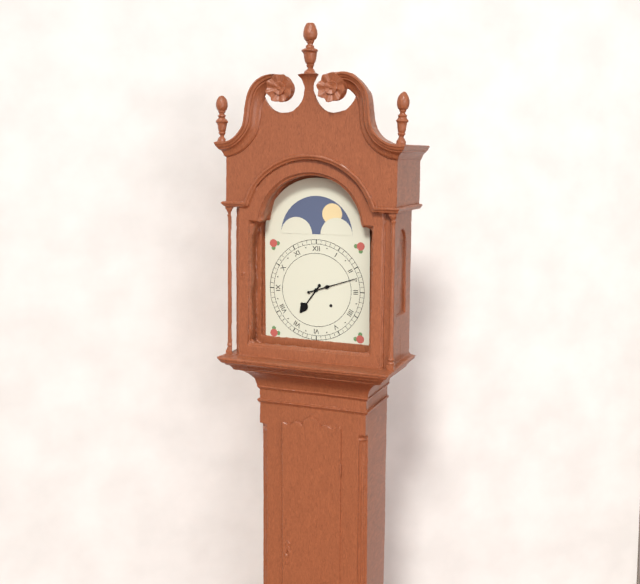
7:12
